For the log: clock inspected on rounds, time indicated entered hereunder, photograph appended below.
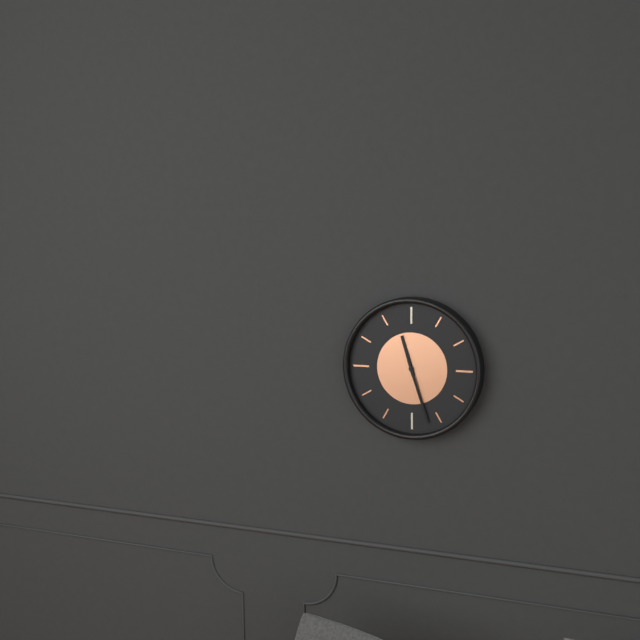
11:27
